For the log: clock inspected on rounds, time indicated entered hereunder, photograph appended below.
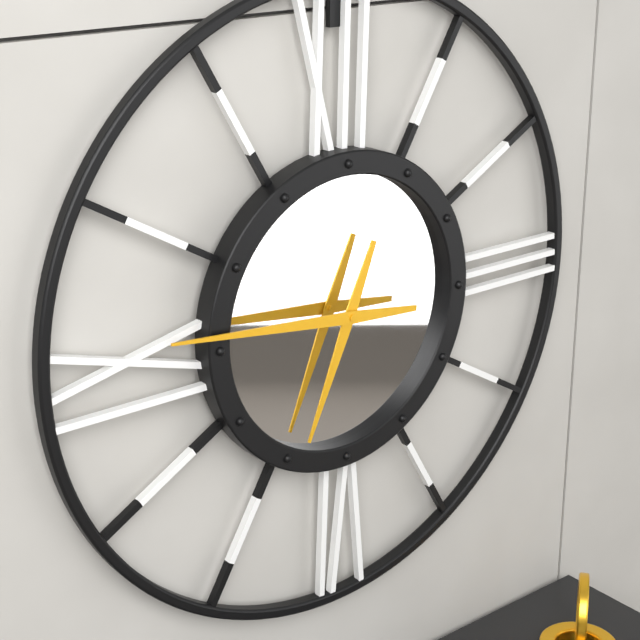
6:46
